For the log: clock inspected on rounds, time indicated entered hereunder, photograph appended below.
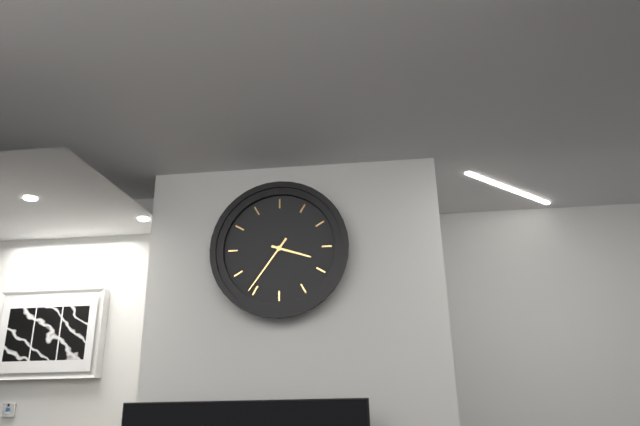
3:36
